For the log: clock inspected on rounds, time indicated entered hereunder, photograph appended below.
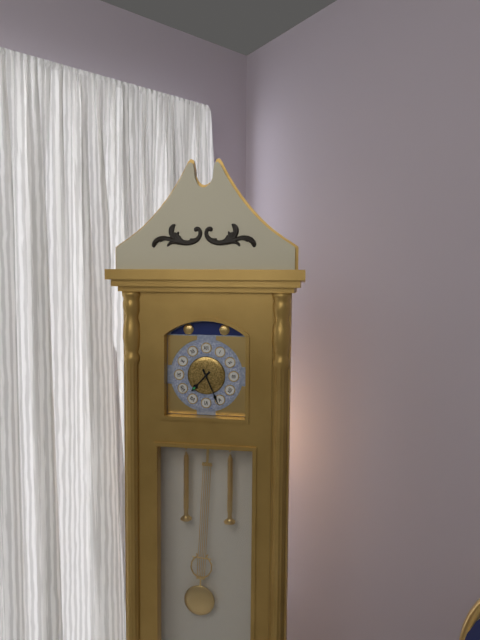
7:26
